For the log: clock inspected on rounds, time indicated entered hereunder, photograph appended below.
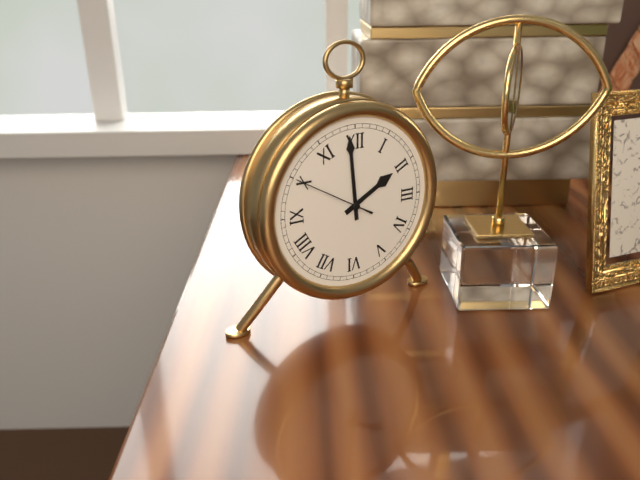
1:59:50
